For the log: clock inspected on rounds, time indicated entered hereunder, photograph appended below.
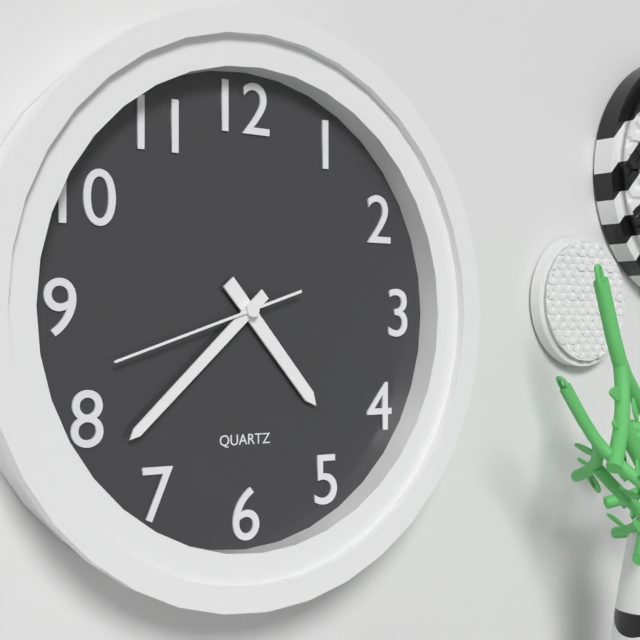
4:38:42
